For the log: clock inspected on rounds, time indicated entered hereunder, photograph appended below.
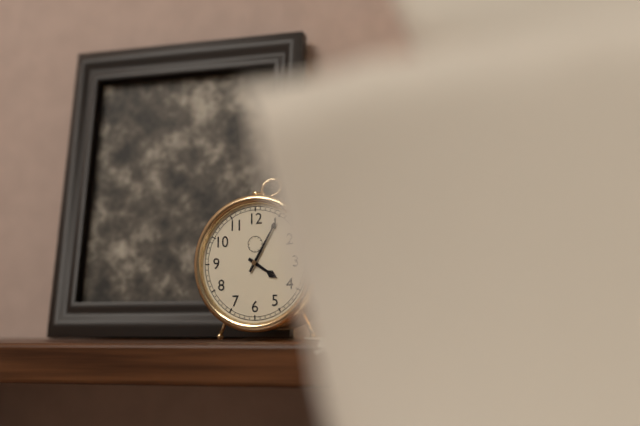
4:05
